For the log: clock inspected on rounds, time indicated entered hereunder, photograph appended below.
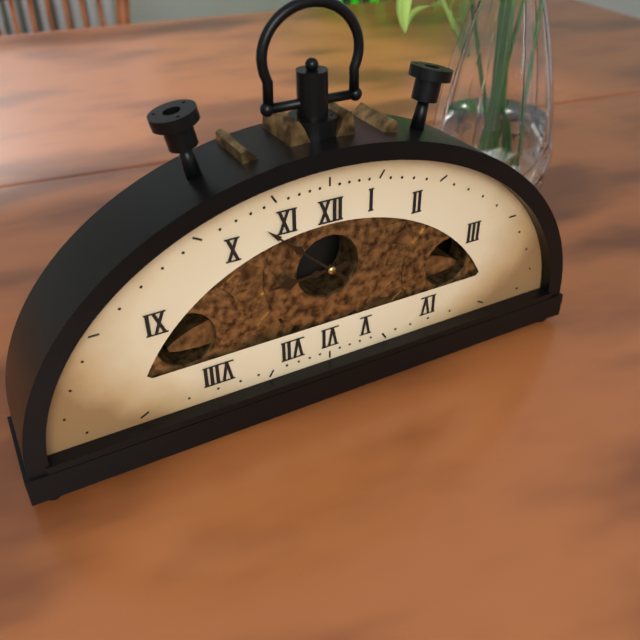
8:52
